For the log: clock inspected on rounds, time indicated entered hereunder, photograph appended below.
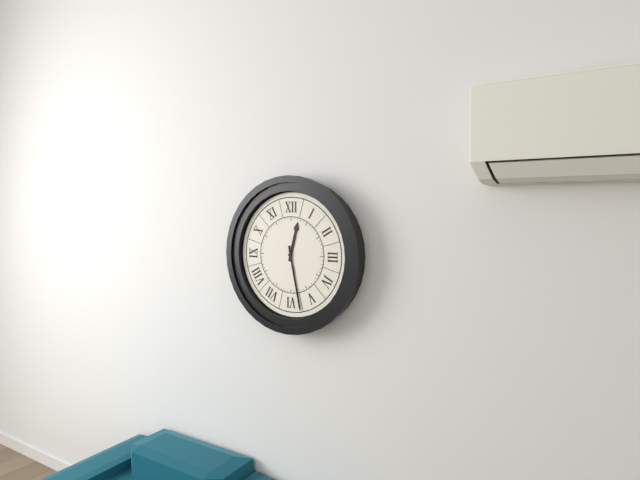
12:28
